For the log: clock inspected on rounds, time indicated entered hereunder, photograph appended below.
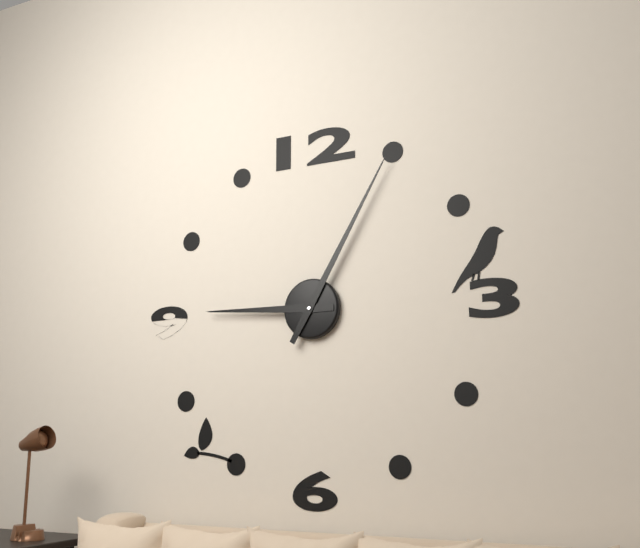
9:05
